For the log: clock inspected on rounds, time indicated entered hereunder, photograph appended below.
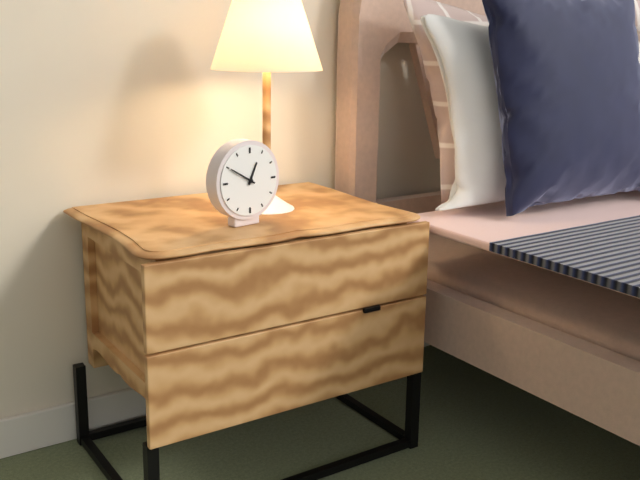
12:50
